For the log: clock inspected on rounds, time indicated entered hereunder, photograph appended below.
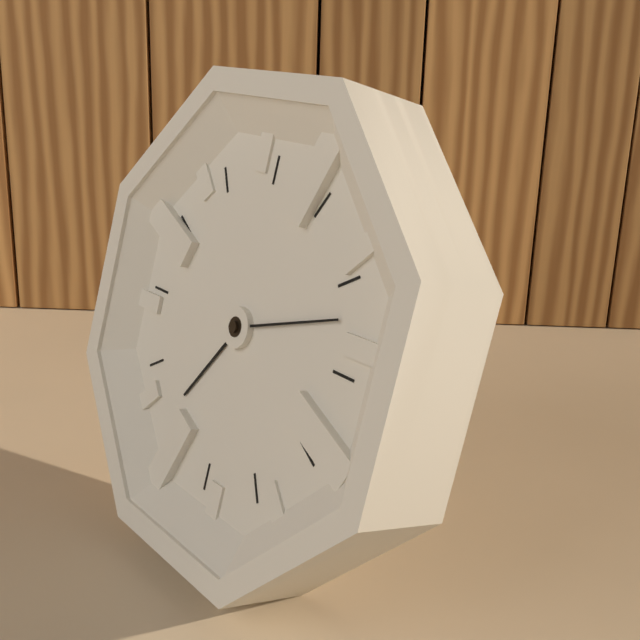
7:12
